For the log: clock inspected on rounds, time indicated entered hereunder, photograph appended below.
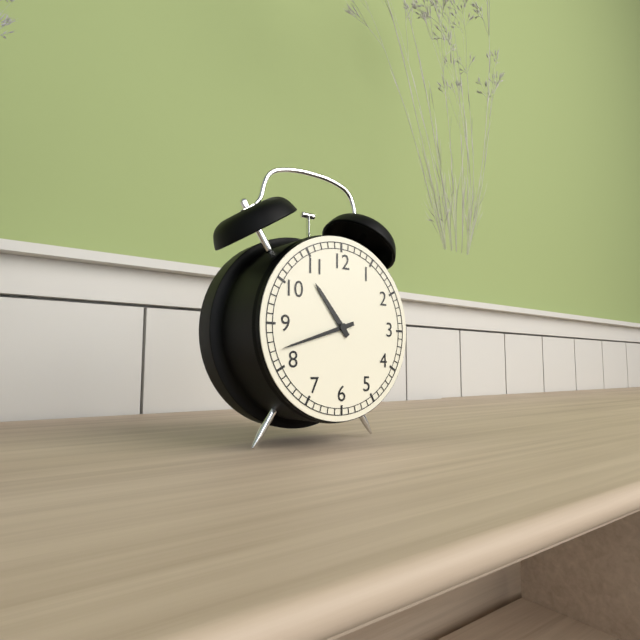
10:42
